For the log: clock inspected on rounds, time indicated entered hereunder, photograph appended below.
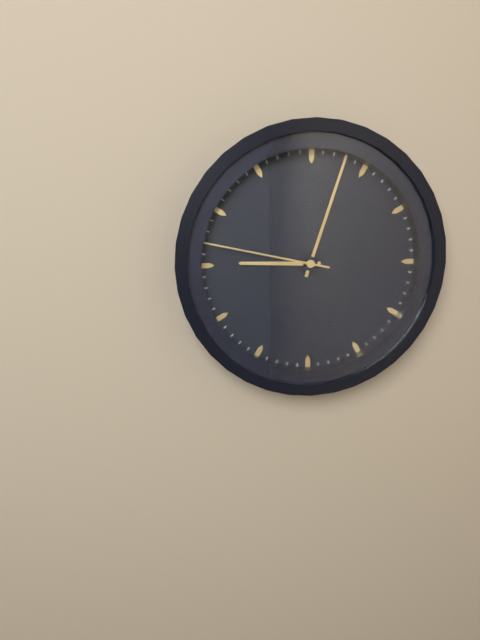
9:03:47
